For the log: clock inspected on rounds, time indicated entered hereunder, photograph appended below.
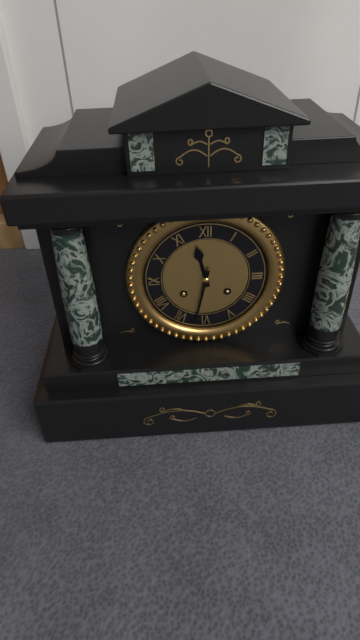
11:32
